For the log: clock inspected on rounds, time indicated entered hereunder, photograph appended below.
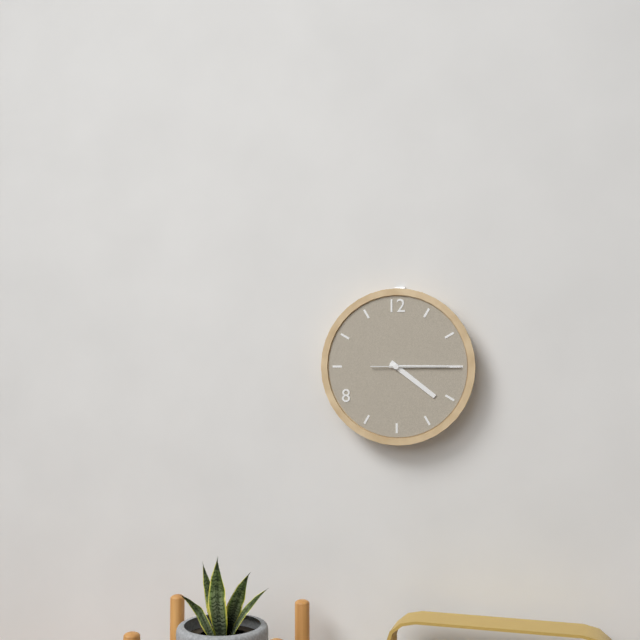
4:15:15
